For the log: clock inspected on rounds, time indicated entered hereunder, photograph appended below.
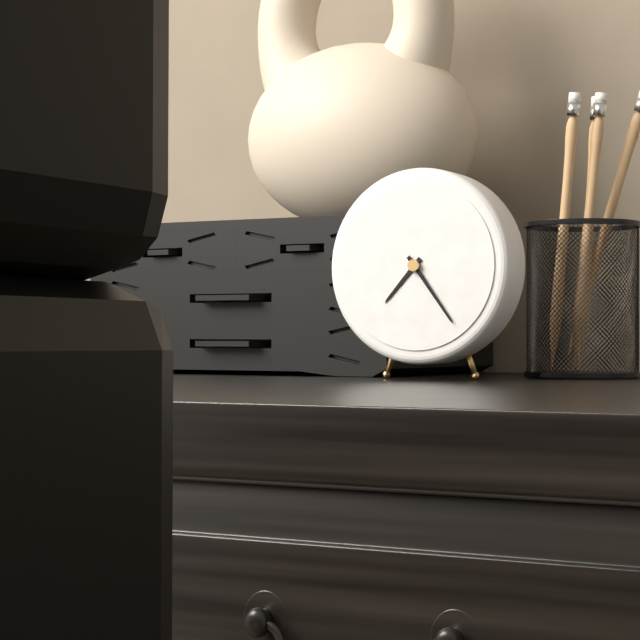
7:24
